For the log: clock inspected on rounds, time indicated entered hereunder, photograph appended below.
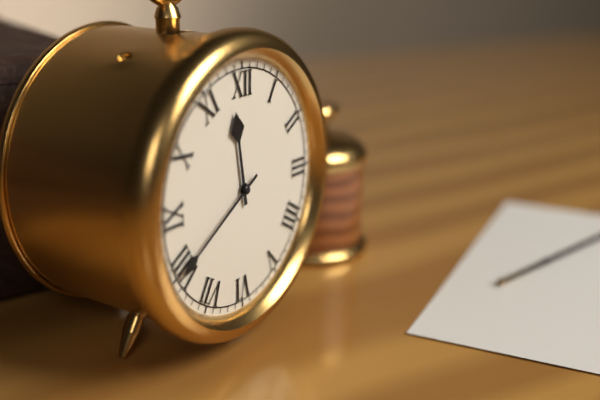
11:40
